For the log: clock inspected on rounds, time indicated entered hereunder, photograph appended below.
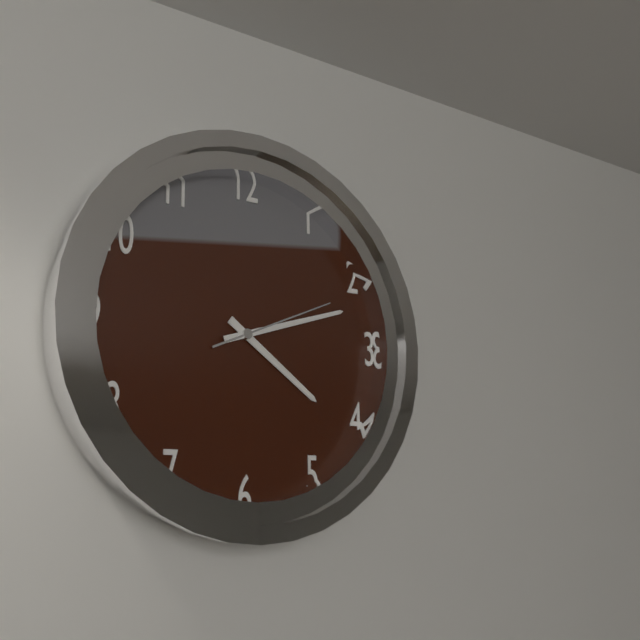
4:12:11
